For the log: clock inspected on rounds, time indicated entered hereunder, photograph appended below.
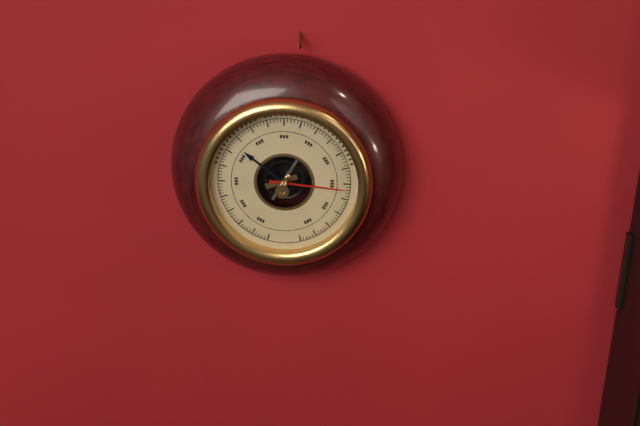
10:16
